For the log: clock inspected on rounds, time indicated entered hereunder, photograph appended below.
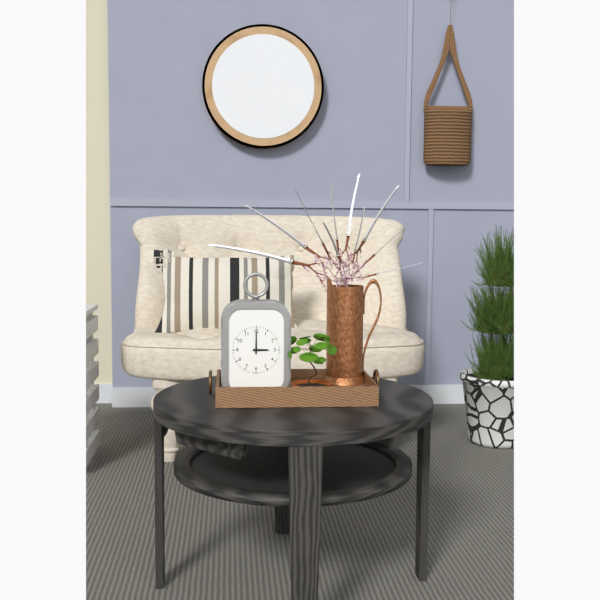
3:00
